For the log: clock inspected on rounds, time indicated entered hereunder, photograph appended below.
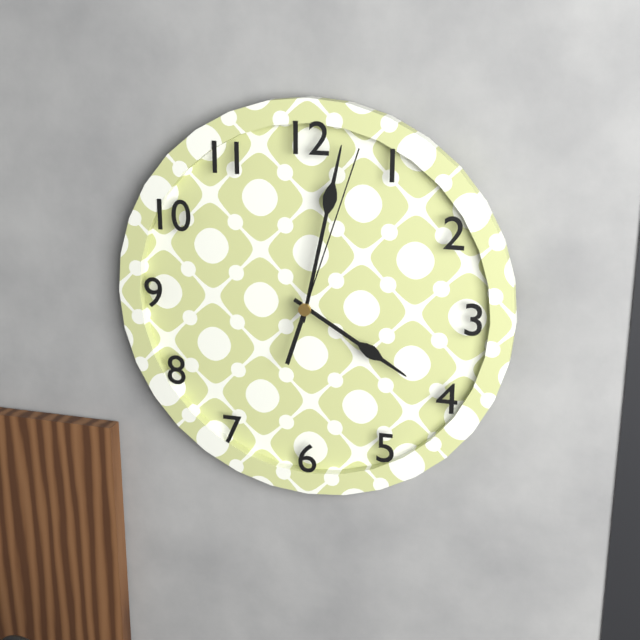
4:02:03
